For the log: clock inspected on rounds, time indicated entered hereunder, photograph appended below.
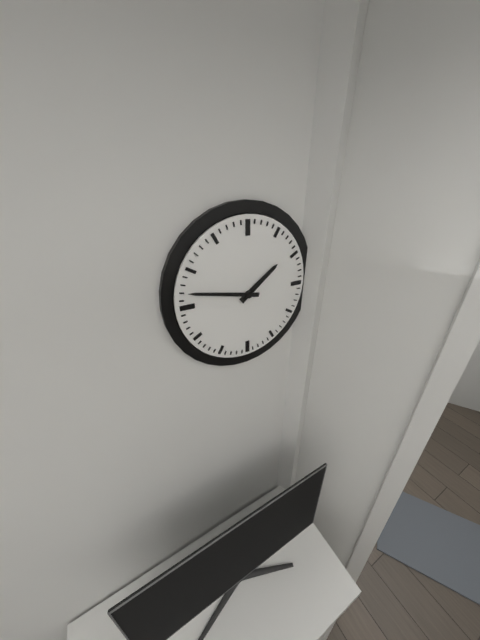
1:47
